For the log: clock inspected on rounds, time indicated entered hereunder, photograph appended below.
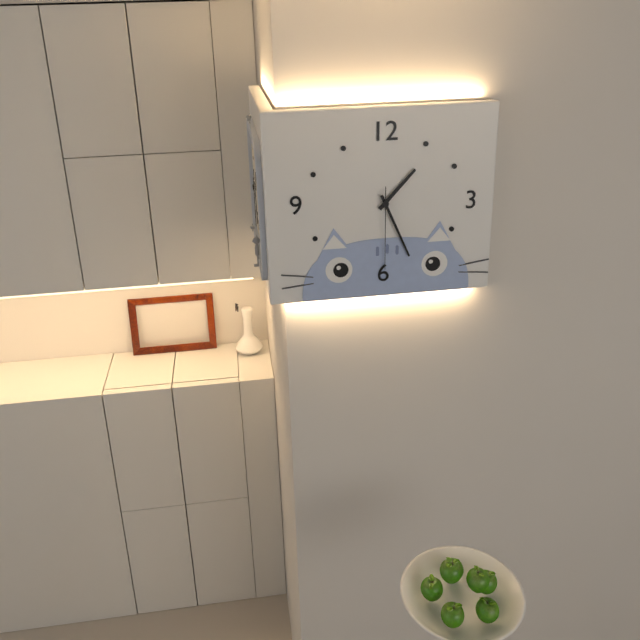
1:26:30
